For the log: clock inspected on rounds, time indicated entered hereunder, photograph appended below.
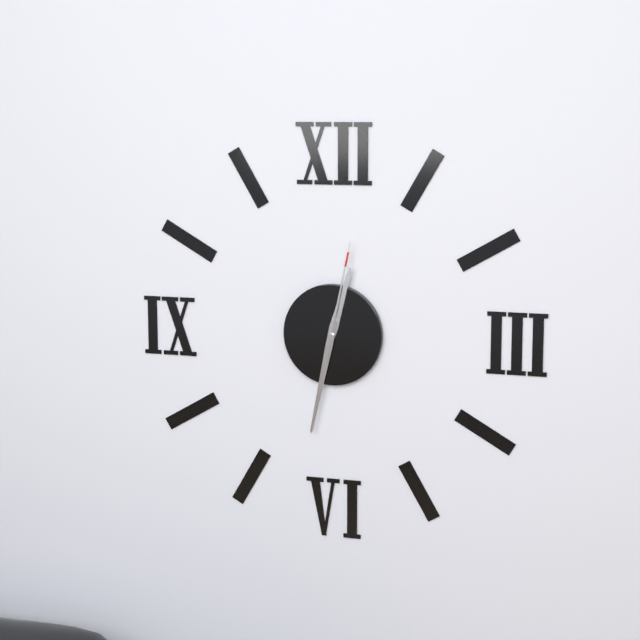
12:32:02
